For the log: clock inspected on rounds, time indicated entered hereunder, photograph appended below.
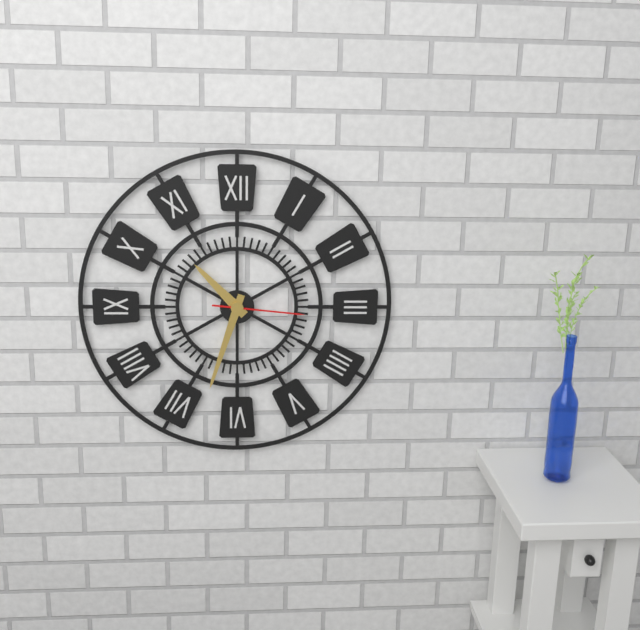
10:33:16
